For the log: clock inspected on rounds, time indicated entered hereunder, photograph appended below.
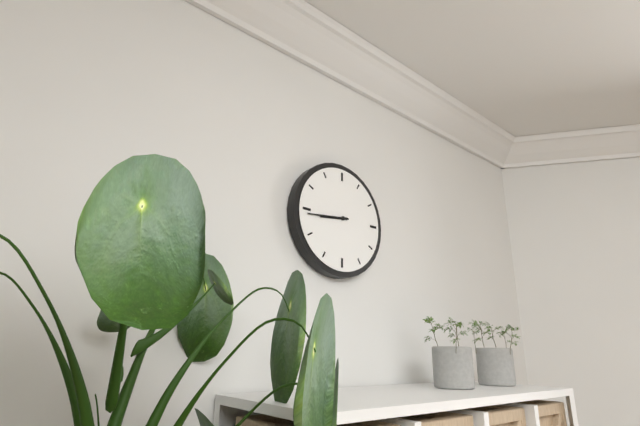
8:44
